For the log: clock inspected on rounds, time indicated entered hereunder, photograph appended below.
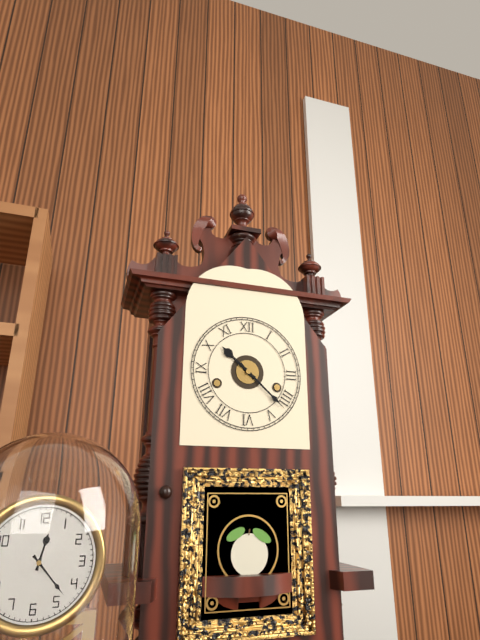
10:22
